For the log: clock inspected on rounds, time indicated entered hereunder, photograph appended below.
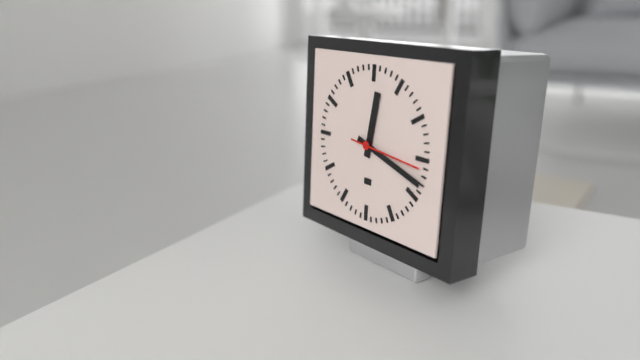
12:18:16
